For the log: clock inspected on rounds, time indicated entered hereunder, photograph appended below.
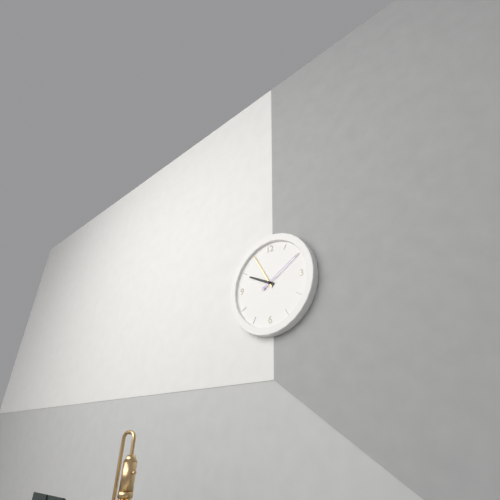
9:55:10
